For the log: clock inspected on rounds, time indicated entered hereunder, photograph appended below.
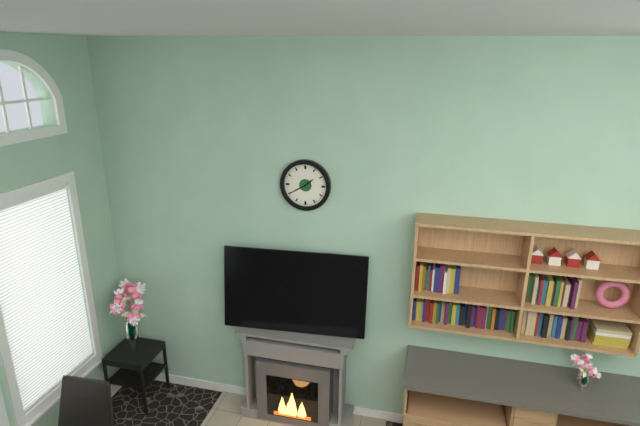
1:40
